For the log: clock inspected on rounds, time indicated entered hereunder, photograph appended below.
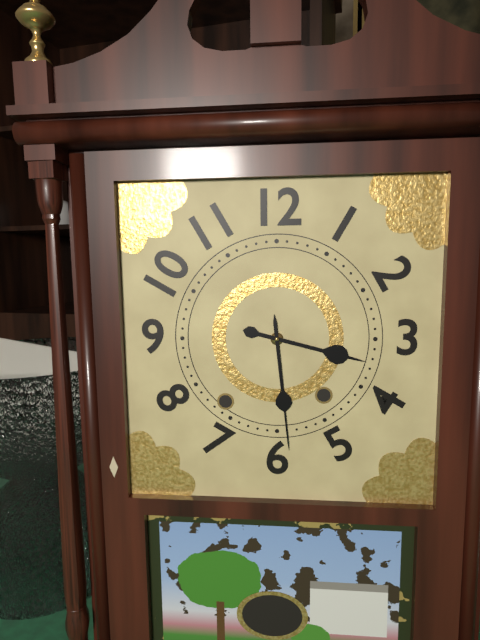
3:29
